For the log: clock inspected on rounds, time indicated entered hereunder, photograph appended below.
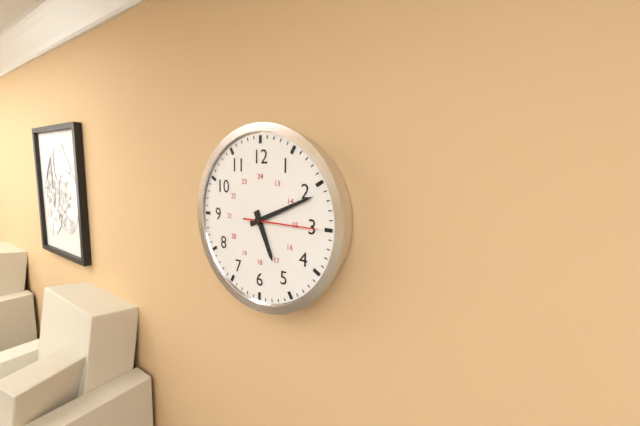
5:11:15
